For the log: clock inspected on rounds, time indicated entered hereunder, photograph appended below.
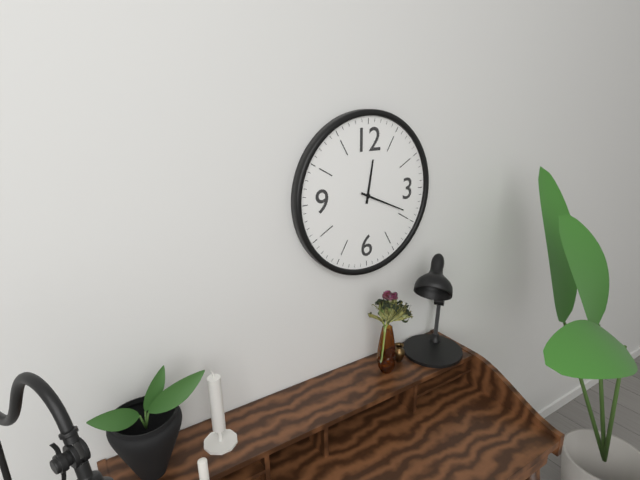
12:19
